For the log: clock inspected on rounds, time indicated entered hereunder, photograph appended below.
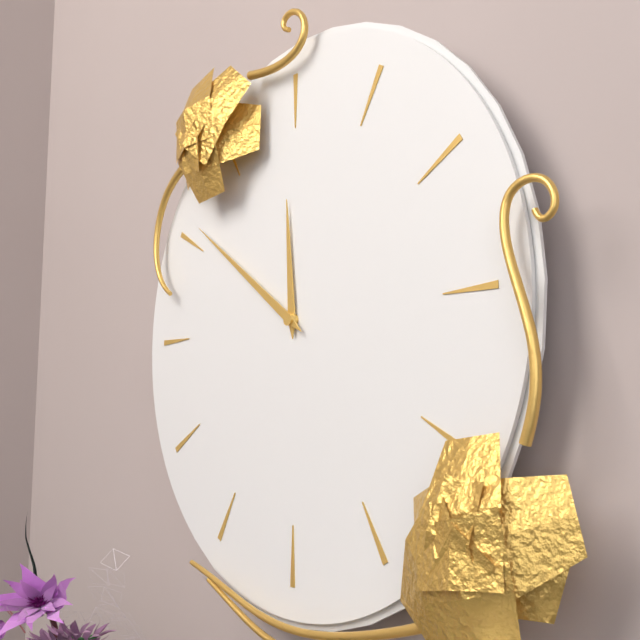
11:51
